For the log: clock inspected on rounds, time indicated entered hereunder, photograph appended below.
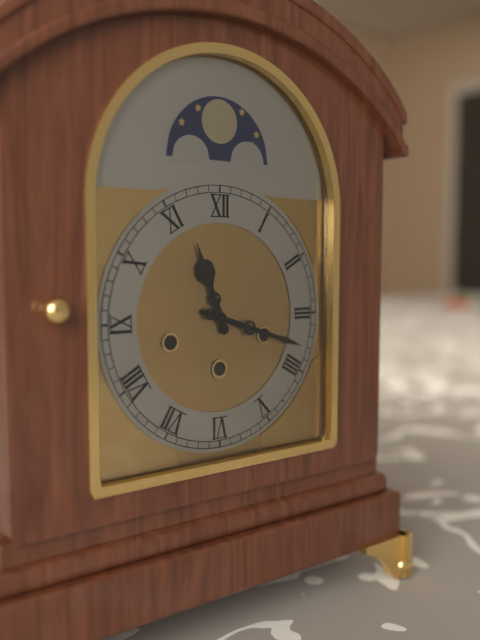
11:18
